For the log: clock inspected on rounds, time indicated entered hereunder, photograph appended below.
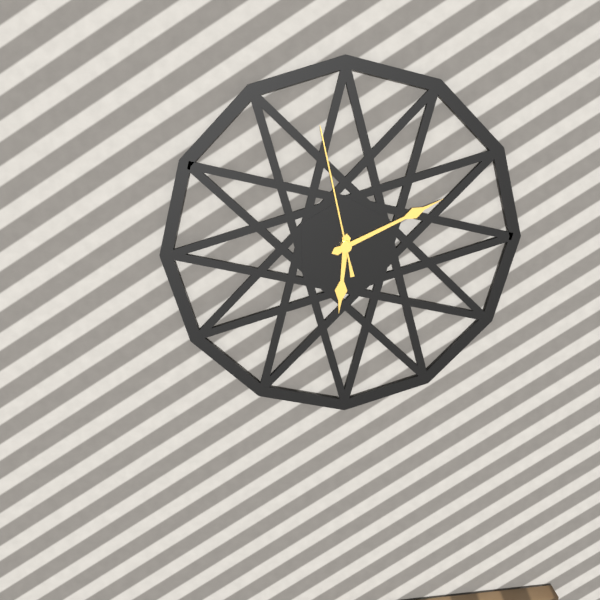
6:11:58
